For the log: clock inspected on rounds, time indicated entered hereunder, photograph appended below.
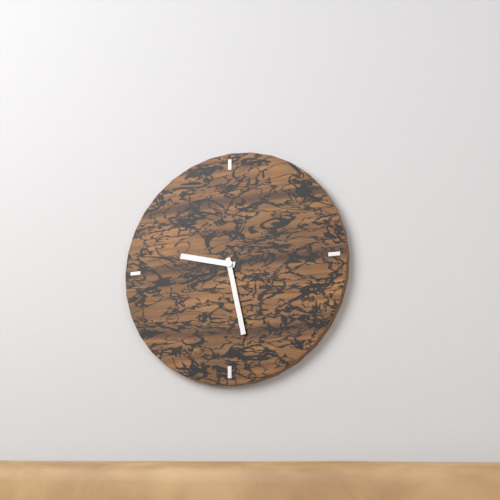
9:28
